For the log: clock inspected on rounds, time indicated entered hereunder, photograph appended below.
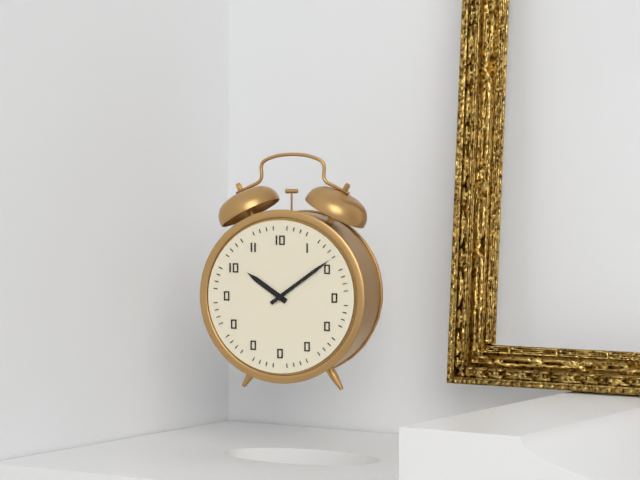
10:09
